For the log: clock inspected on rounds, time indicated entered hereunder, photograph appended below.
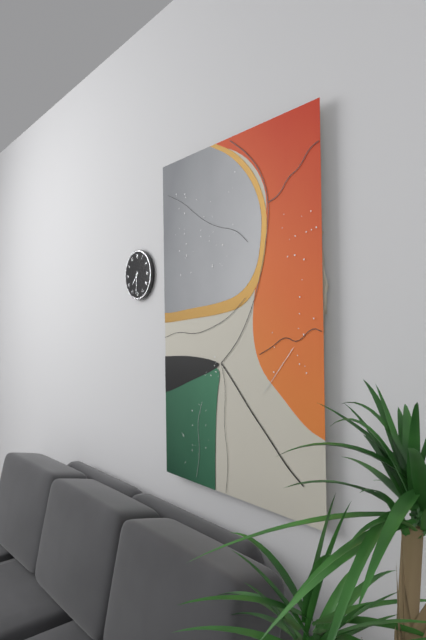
7:31
